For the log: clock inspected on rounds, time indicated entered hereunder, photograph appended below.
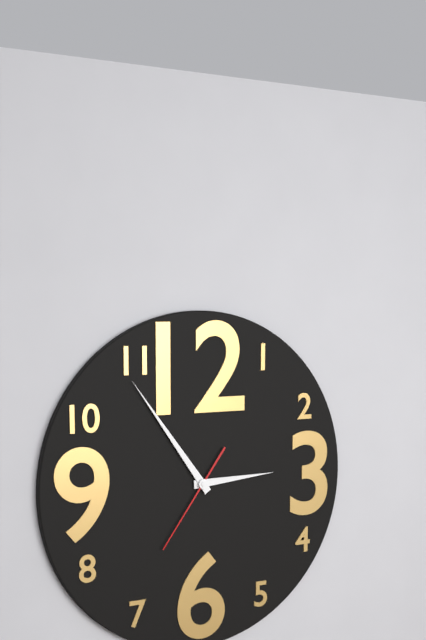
2:54:36
